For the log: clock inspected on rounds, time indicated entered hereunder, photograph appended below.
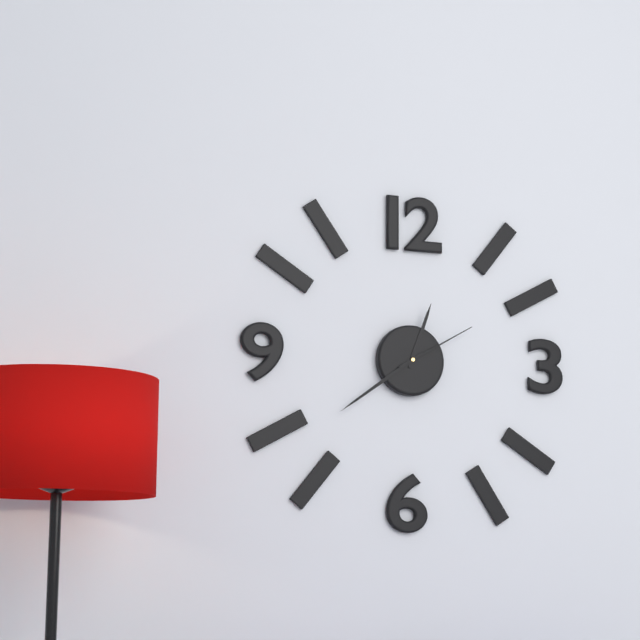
12:39:10
